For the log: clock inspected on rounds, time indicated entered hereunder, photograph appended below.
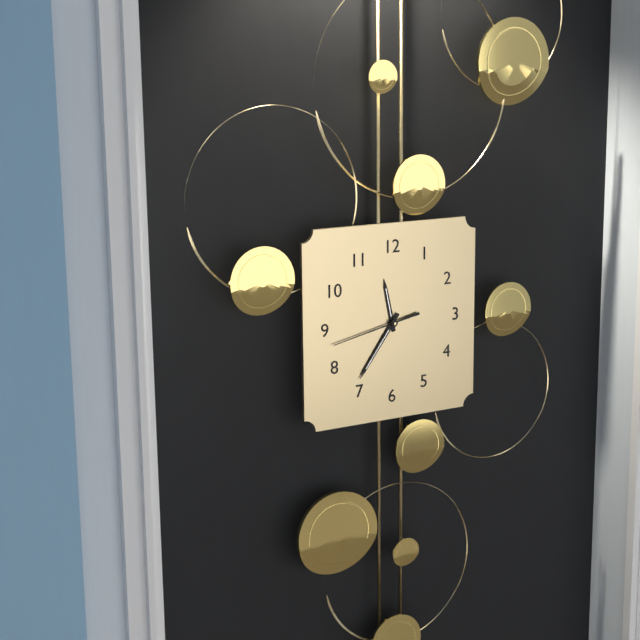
11:36:43
